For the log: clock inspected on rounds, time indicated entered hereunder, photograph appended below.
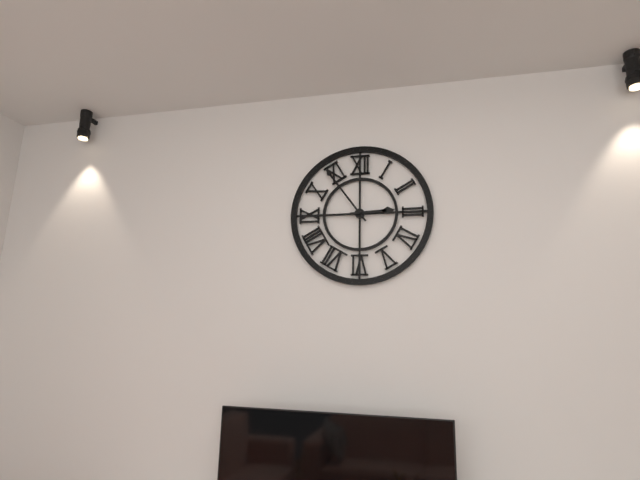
2:54
